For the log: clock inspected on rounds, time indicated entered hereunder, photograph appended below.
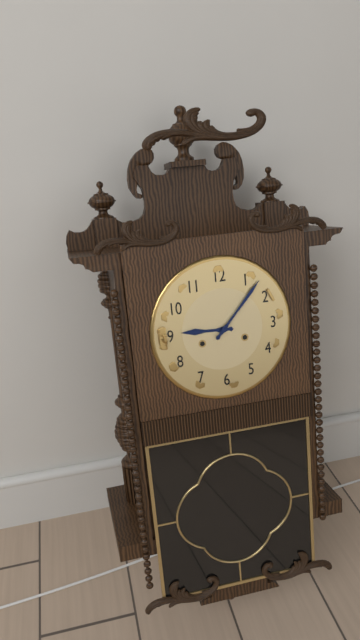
9:07
